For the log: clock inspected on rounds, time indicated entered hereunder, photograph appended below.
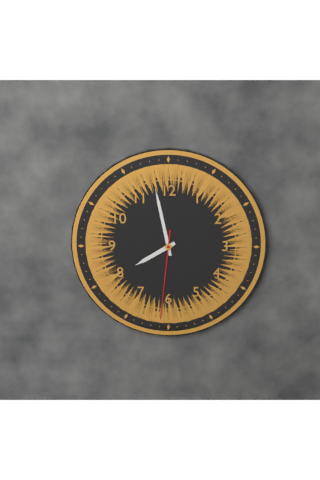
7:58:31
